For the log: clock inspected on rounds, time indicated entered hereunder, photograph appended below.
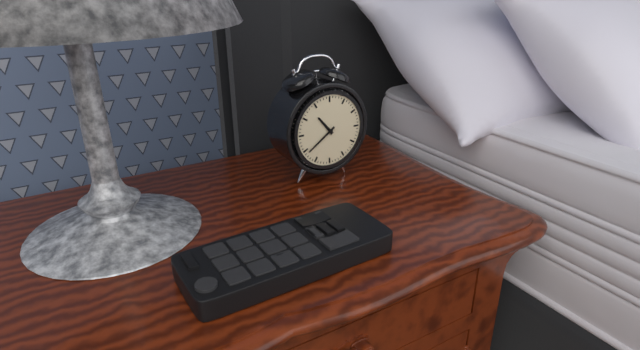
10:39
